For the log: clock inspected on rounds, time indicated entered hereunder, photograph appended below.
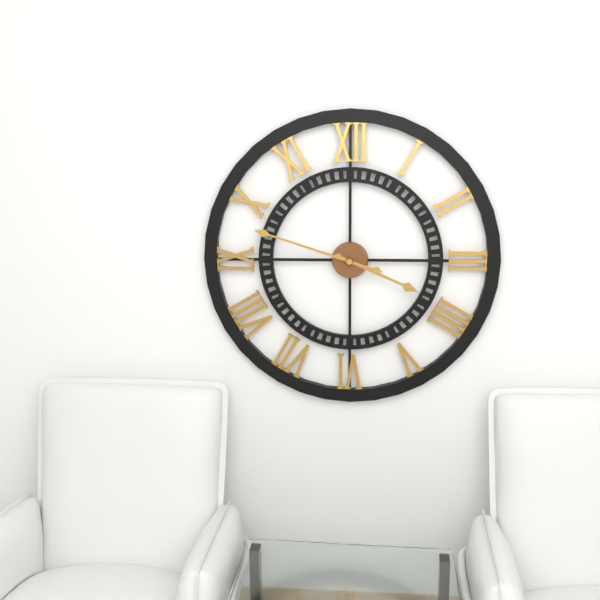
3:48
